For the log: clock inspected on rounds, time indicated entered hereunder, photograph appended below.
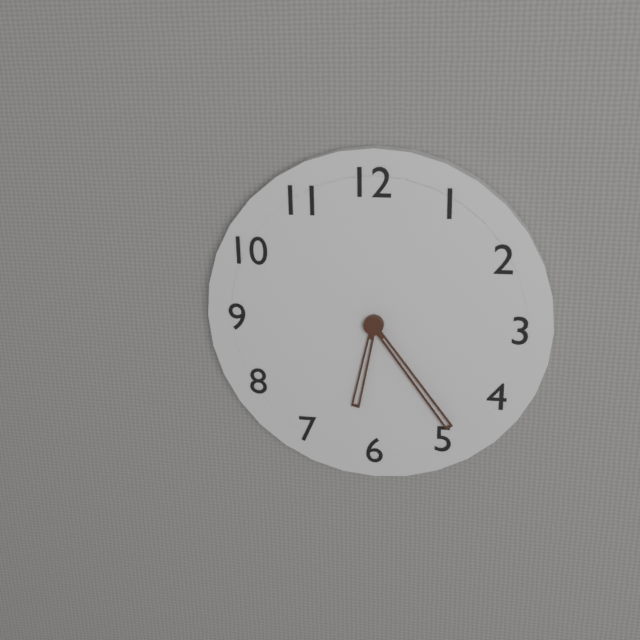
6:24
